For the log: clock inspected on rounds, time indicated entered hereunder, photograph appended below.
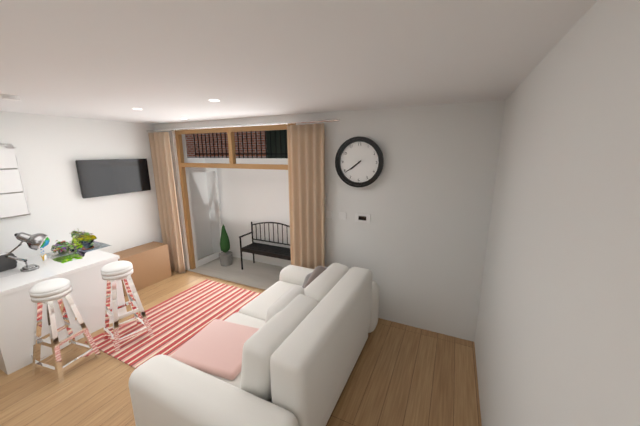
7:39
